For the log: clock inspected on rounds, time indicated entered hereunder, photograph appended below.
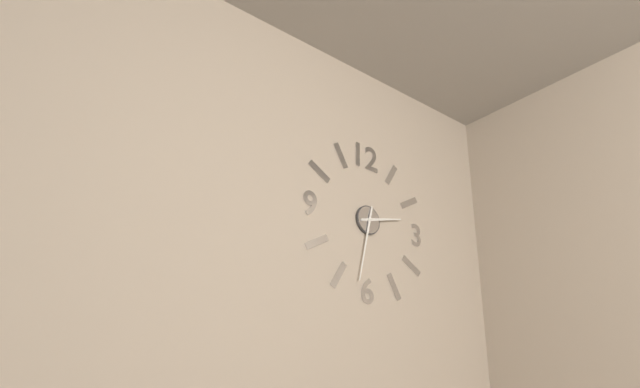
2:32
